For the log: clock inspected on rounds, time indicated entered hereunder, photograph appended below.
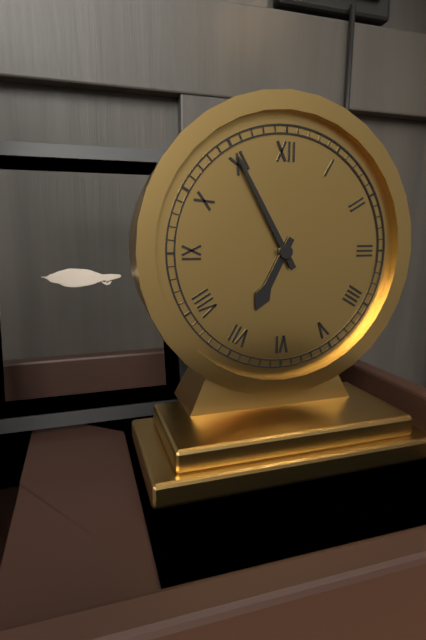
6:55
